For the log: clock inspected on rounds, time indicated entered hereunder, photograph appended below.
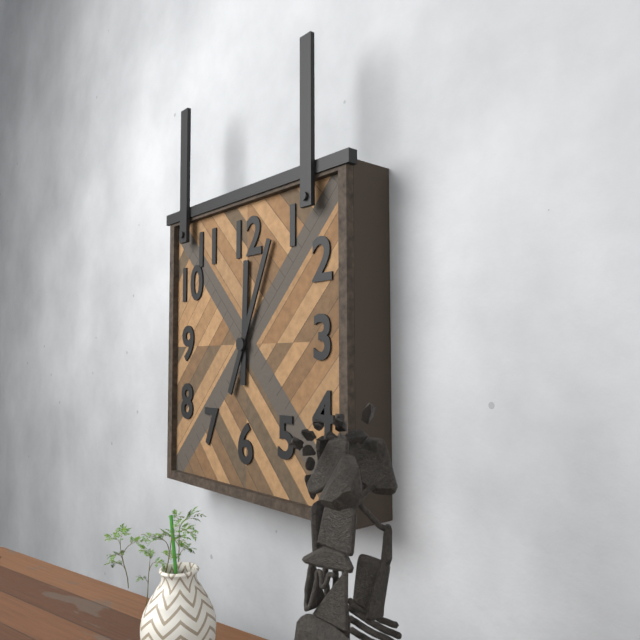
12:04
